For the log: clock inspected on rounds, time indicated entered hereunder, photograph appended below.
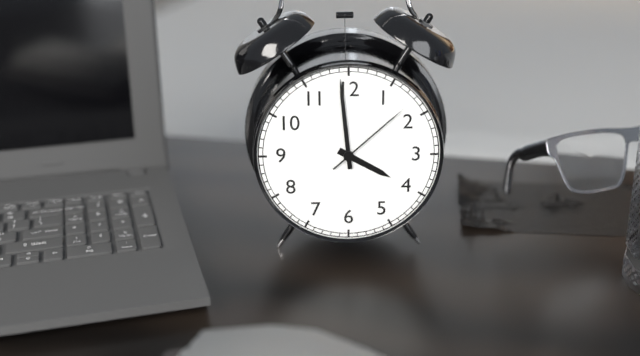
3:59:08
